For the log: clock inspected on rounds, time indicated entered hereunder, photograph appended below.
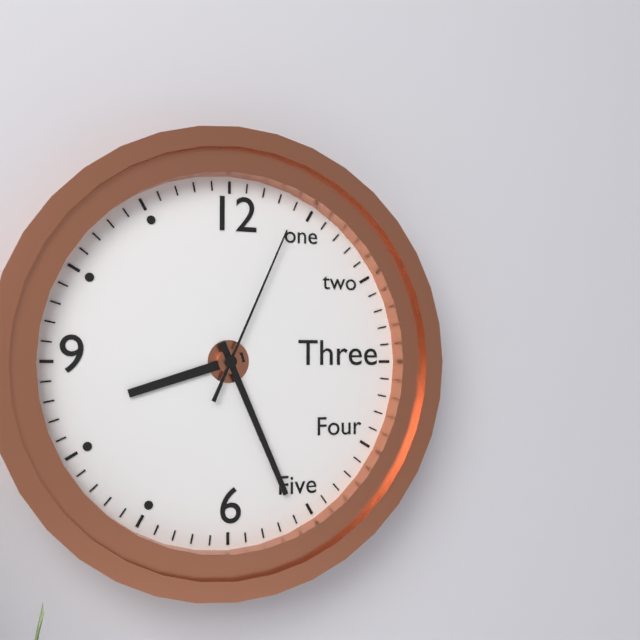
8:26:04
